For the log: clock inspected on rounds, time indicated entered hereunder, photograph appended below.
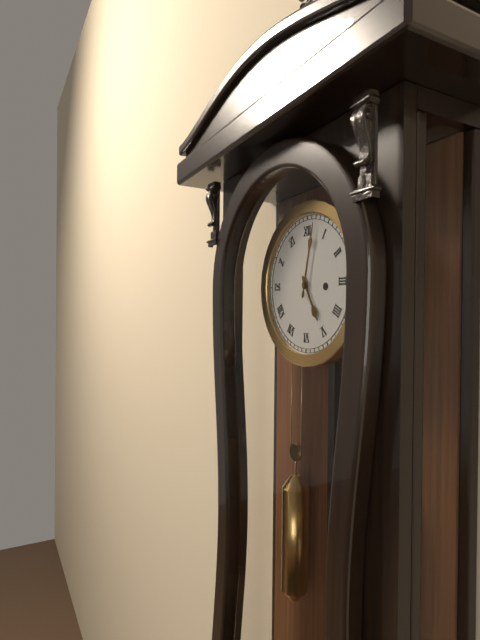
5:02
